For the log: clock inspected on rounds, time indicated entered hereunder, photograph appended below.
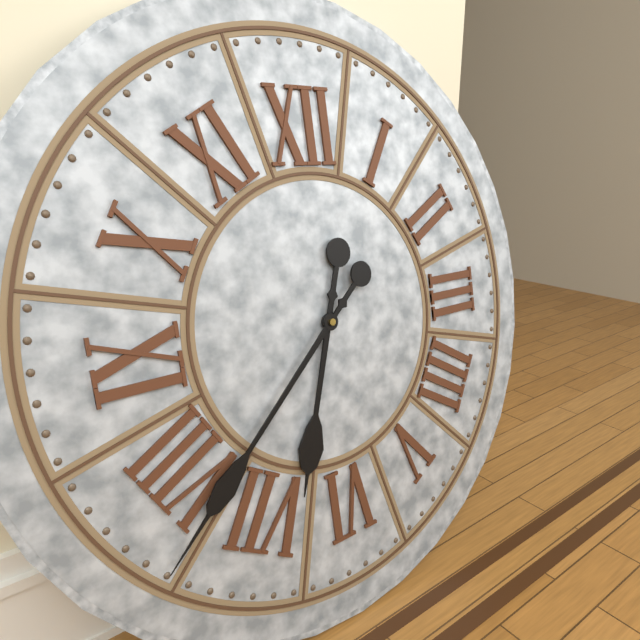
6:38
